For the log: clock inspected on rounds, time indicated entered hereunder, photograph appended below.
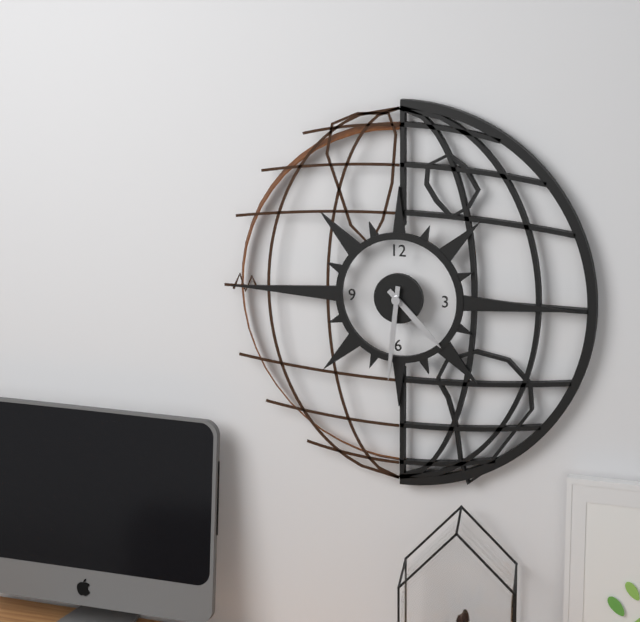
4:31
